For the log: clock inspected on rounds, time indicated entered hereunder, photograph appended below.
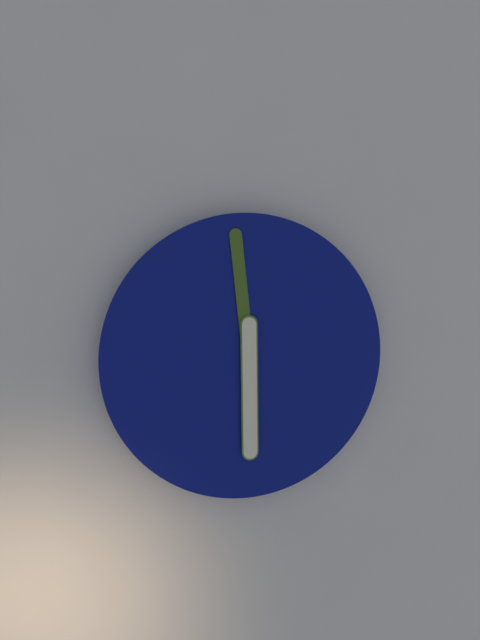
5:59
